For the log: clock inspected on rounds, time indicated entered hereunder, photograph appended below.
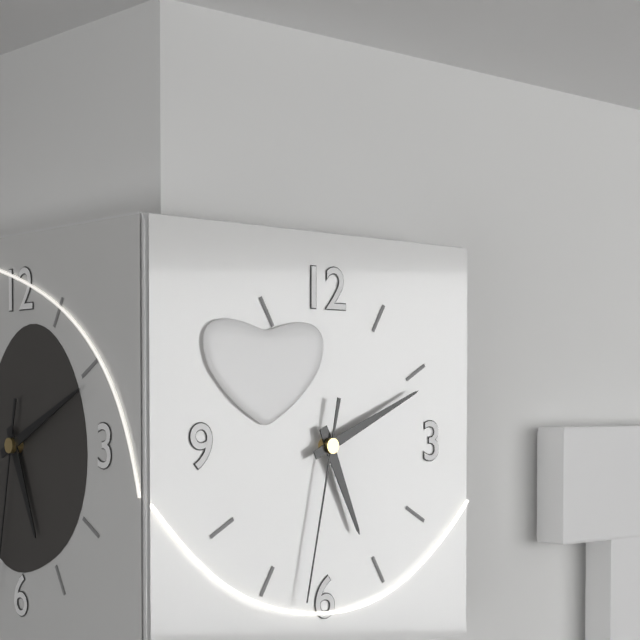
5:11:32
